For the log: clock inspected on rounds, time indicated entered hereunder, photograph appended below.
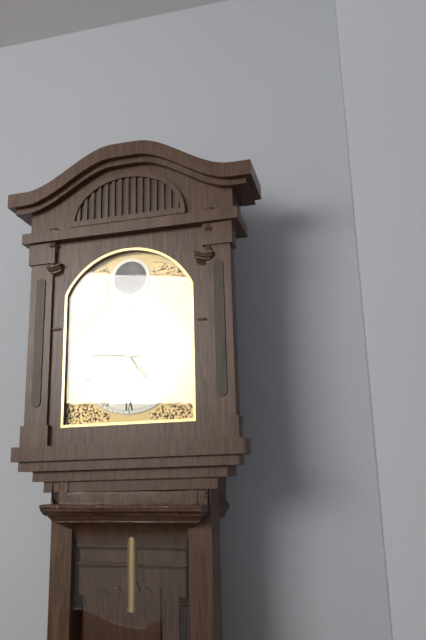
4:46
